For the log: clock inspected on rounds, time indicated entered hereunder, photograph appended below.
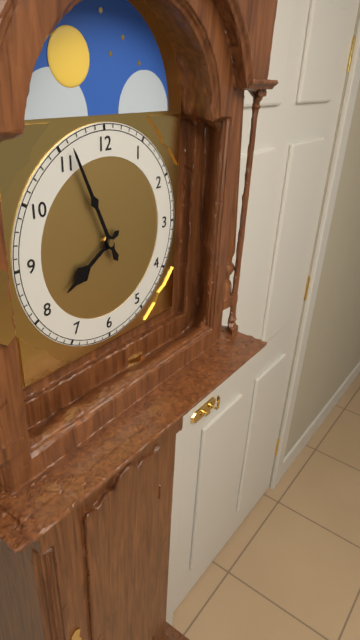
7:56
